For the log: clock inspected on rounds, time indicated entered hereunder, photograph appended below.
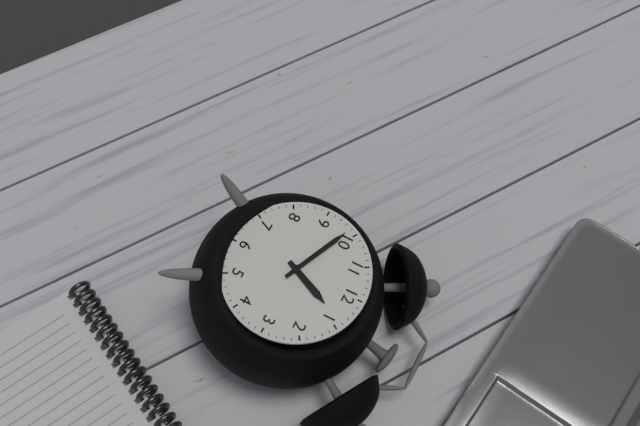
12:49
